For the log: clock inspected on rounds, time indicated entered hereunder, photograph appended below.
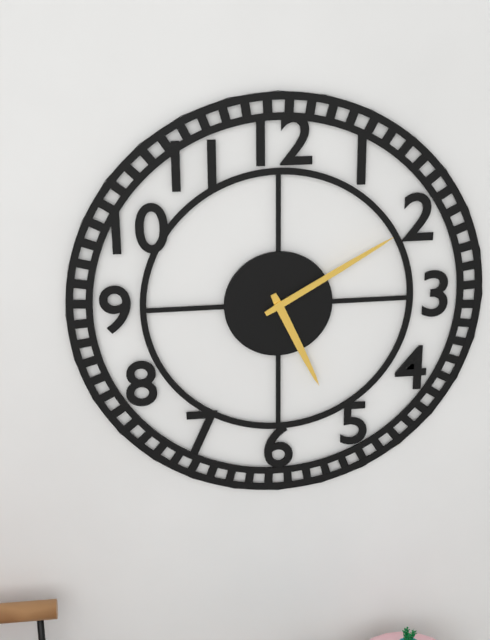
5:10
